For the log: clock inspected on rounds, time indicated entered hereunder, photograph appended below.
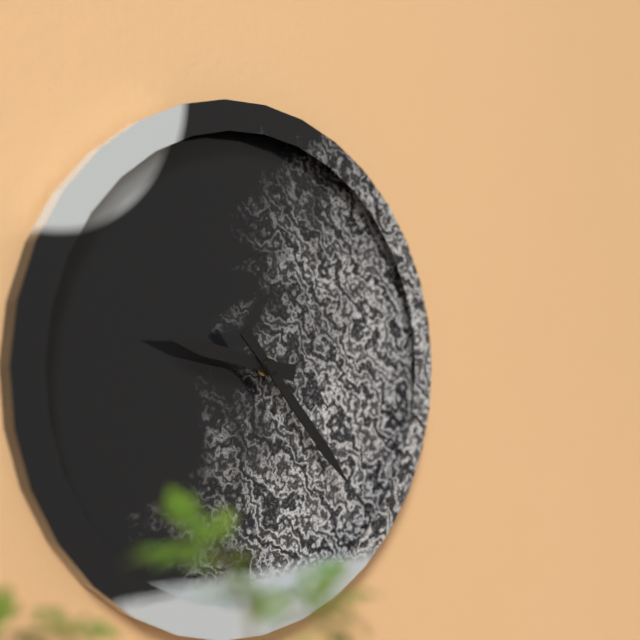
9:23
